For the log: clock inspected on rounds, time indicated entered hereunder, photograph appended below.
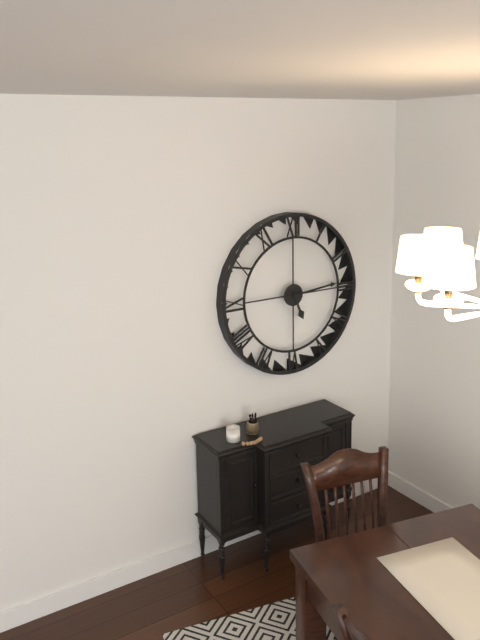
5:14
